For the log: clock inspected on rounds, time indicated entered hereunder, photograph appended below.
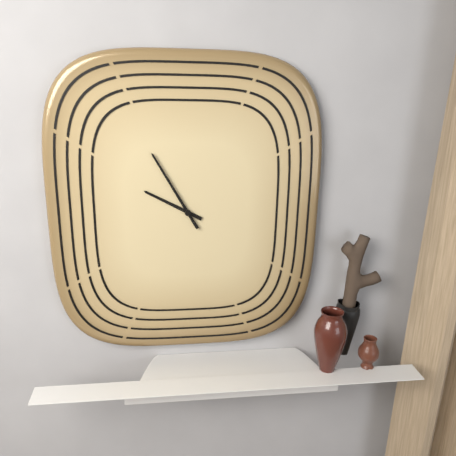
9:55
